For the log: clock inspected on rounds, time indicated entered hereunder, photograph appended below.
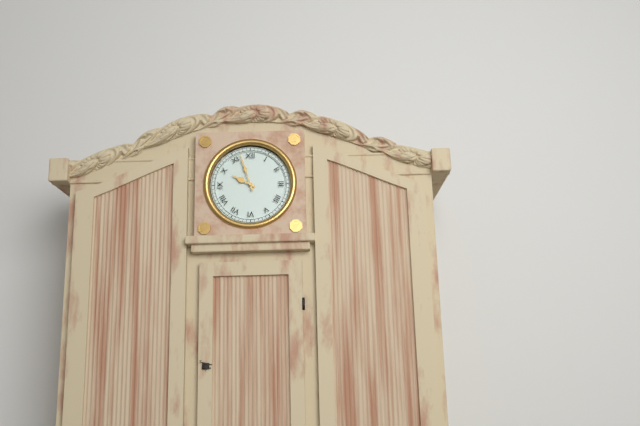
9:57
